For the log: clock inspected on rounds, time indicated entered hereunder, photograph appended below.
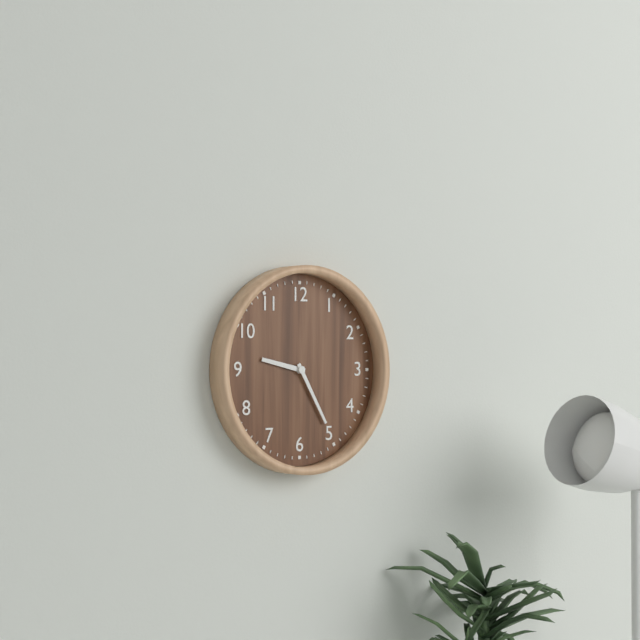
9:25
